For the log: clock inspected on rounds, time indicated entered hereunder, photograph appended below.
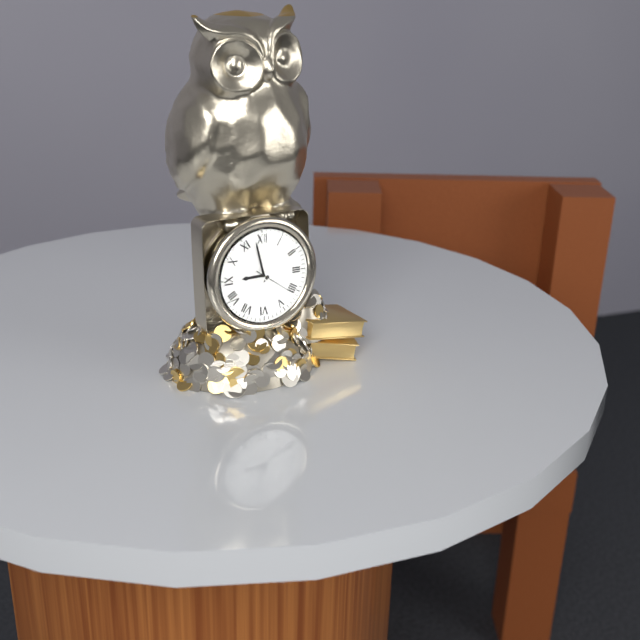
8:58:21
